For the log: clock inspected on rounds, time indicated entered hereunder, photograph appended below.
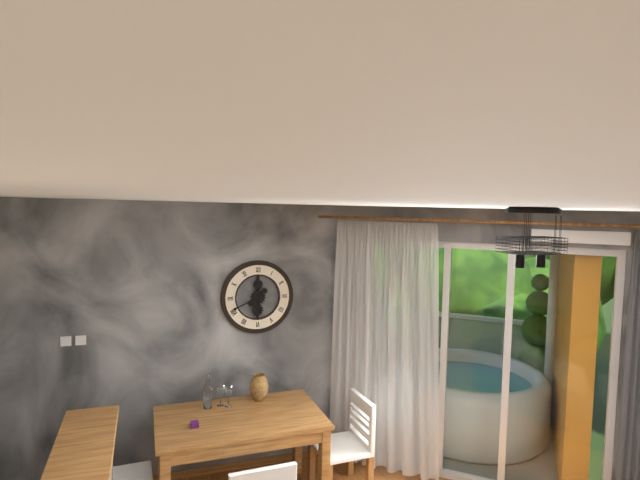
5:41
